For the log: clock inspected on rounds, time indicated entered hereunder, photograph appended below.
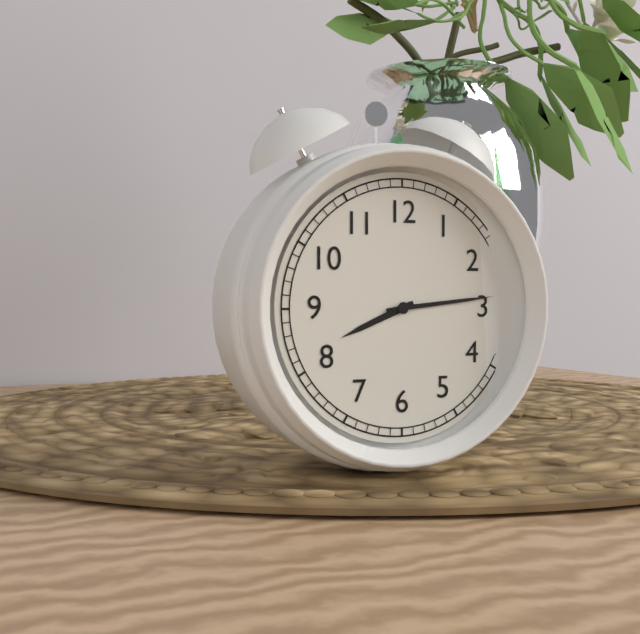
8:14
